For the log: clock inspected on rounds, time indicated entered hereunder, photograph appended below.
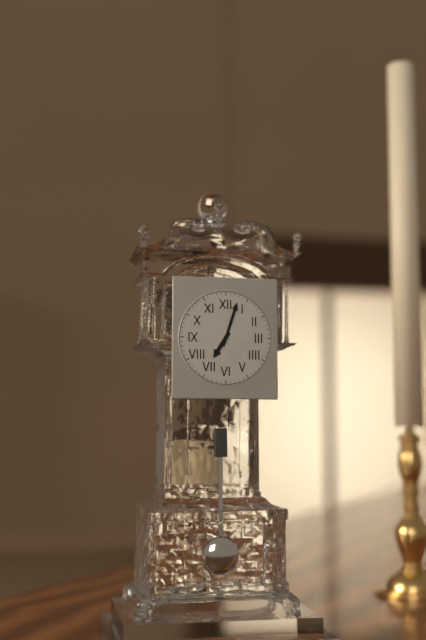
7:03
